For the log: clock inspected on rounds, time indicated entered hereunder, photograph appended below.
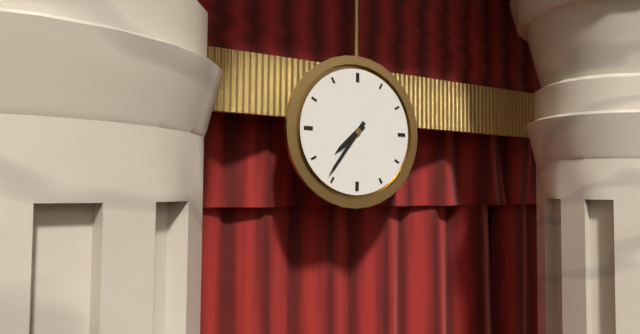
7:36
